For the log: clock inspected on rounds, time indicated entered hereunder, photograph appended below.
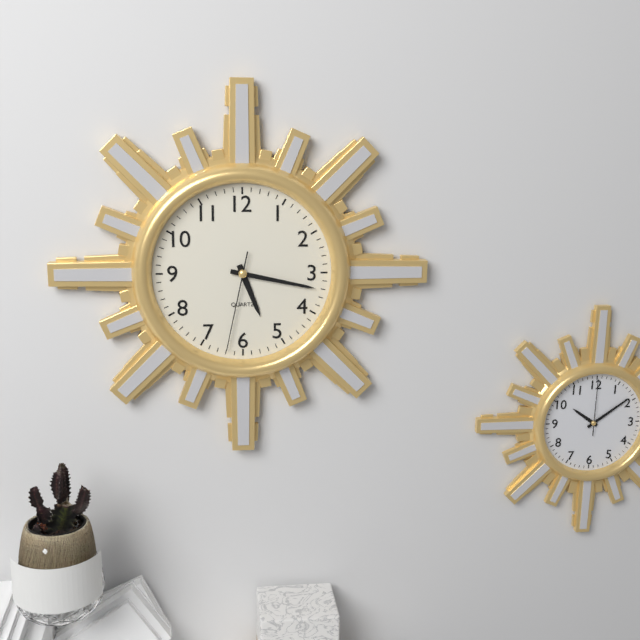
5:17:32
